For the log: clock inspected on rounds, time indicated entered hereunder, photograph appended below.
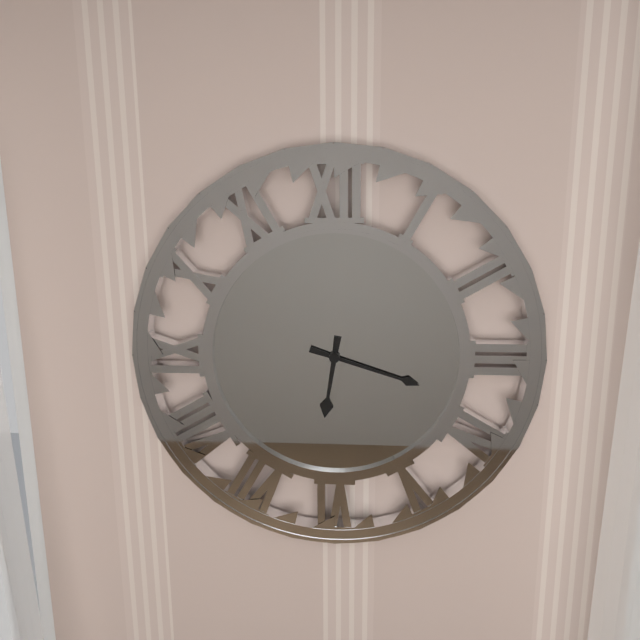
6:18
